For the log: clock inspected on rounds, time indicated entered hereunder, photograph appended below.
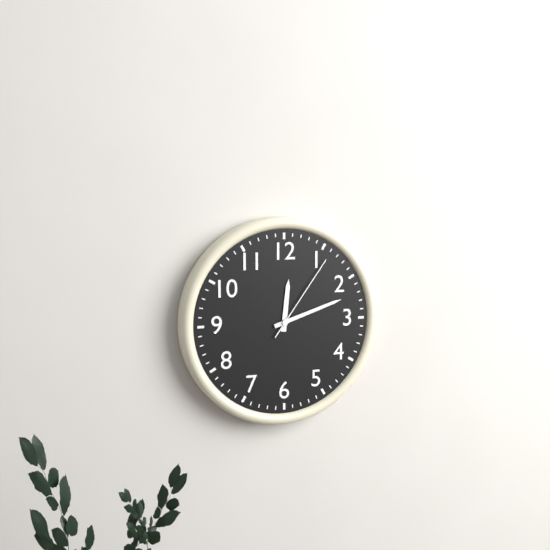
12:12:06
